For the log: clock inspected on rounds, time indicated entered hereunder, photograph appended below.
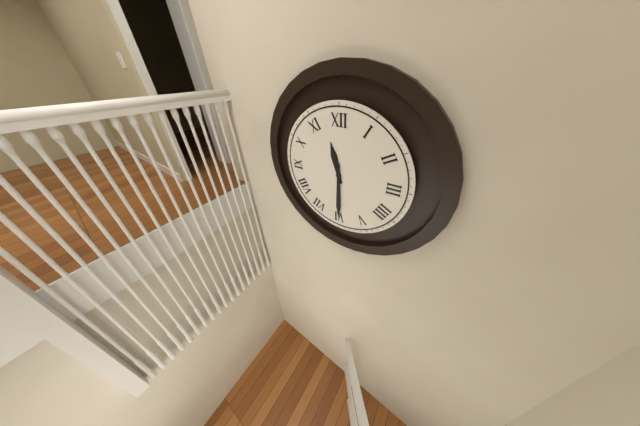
11:30
